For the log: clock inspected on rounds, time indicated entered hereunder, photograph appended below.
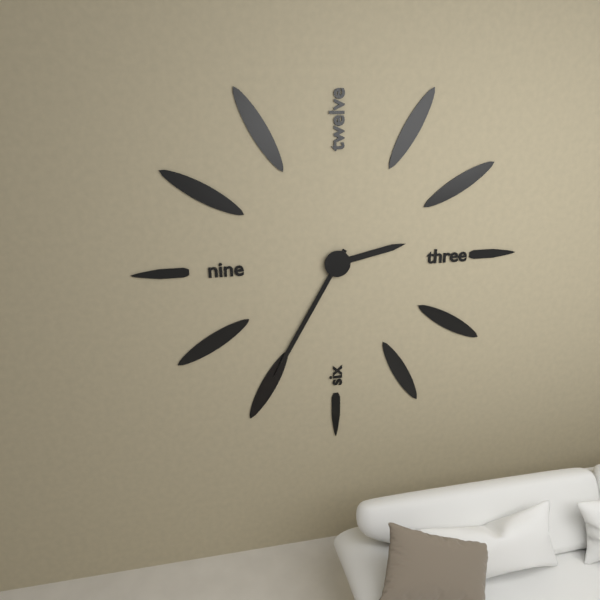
2:35
